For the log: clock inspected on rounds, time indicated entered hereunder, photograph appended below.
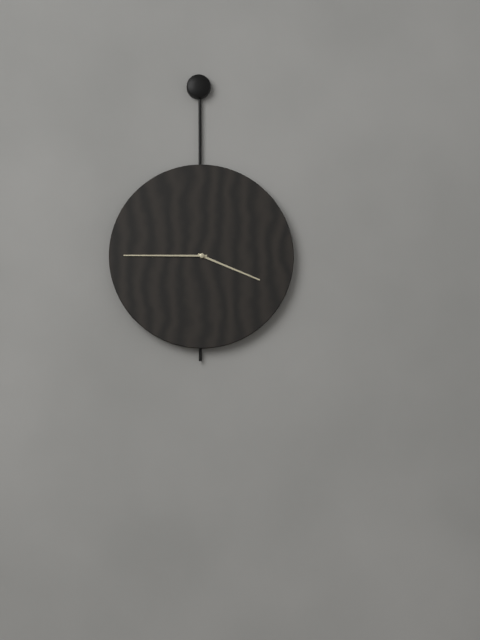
3:45
